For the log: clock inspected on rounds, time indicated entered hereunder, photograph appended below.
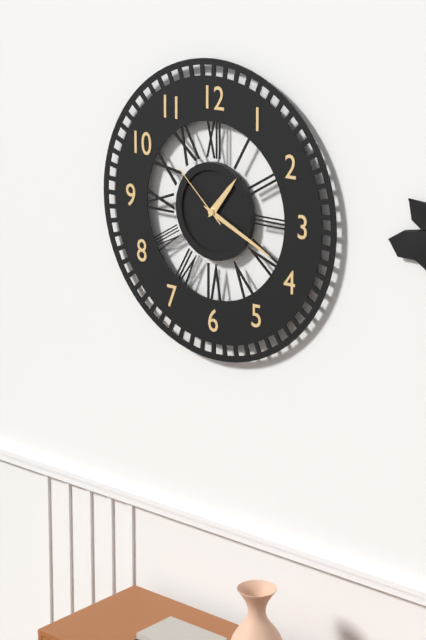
1:19:52
